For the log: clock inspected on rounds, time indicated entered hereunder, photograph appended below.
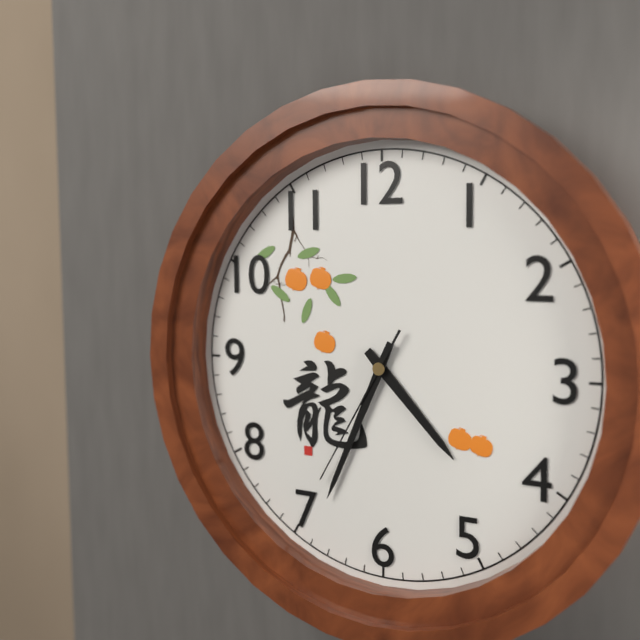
4:34:35
